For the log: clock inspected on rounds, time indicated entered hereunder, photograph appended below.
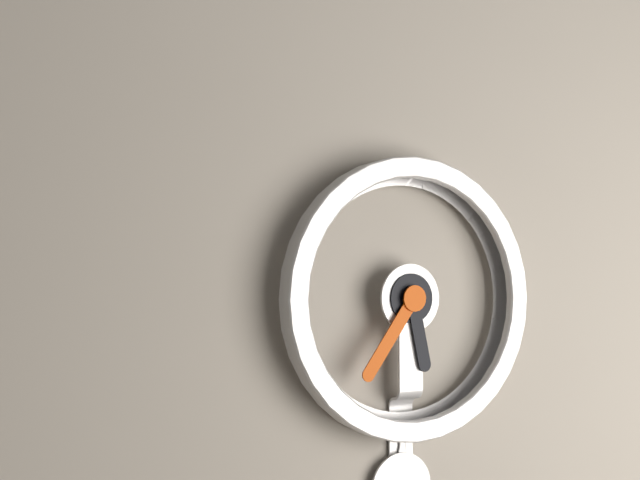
5:36
